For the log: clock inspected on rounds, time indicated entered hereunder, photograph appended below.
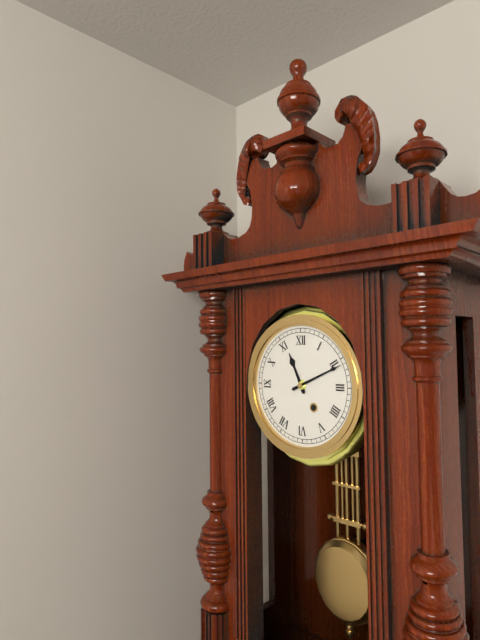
11:11
